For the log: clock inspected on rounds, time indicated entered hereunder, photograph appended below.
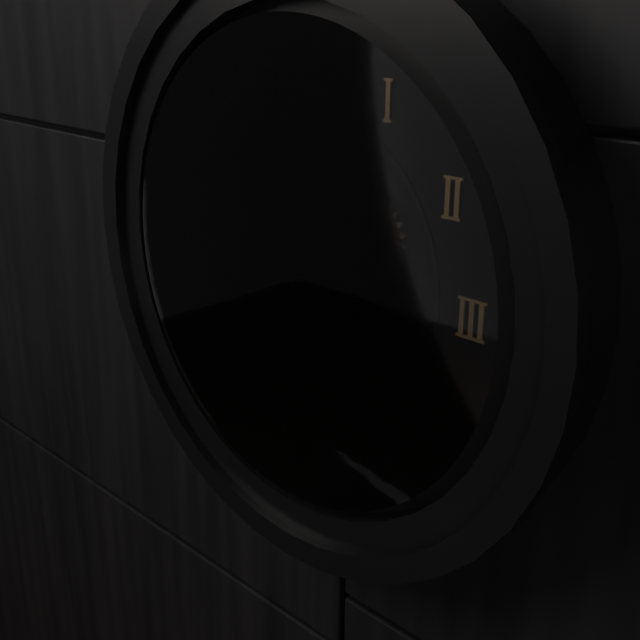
3:51
